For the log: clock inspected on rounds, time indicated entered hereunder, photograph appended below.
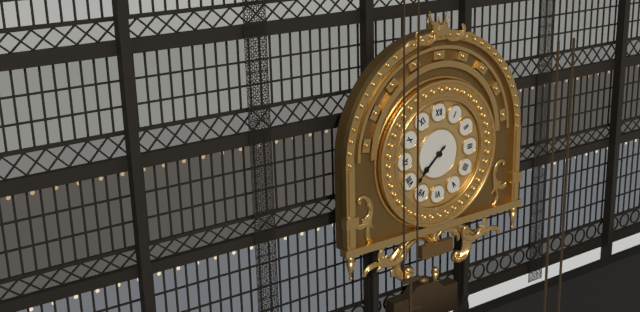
7:38
